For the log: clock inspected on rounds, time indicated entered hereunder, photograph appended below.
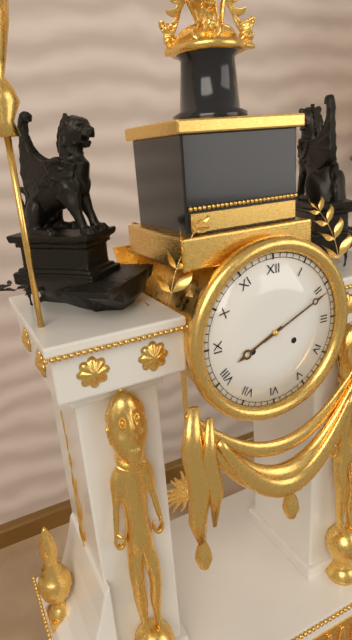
8:11
